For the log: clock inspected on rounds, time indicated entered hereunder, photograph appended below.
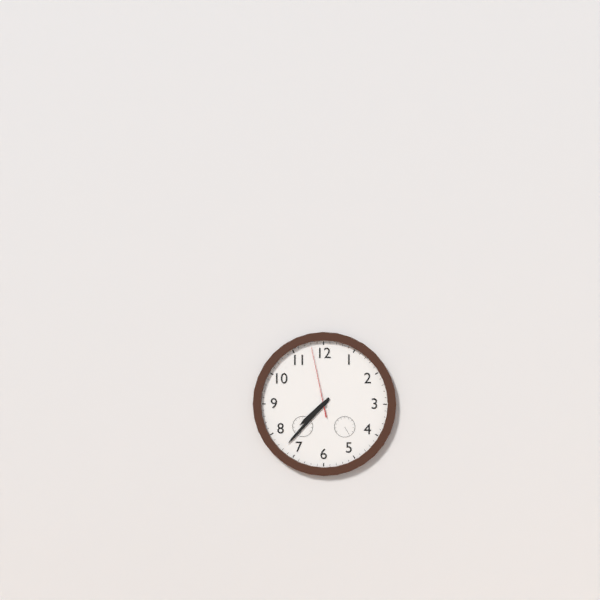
7:37:58
